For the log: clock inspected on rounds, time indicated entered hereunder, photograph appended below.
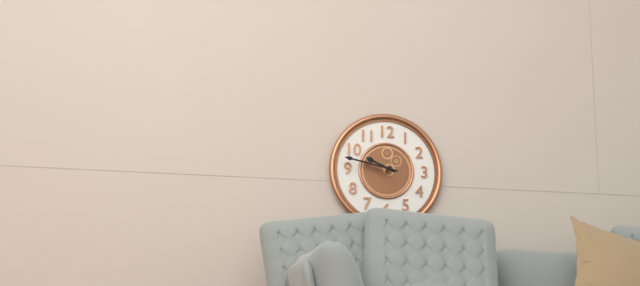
9:47
